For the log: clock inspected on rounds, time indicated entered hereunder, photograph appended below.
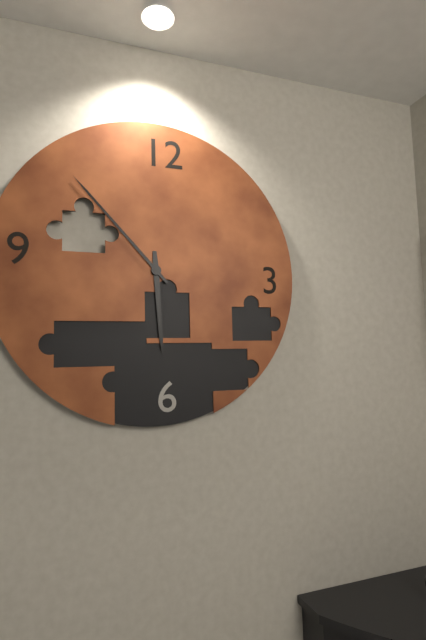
5:53
